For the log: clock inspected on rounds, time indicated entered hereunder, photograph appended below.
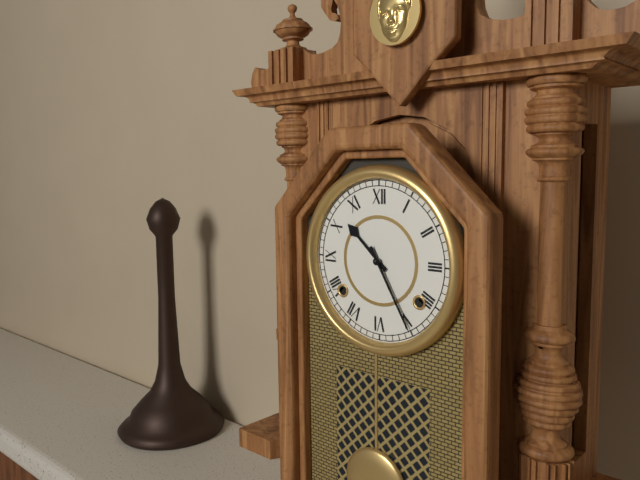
10:25
